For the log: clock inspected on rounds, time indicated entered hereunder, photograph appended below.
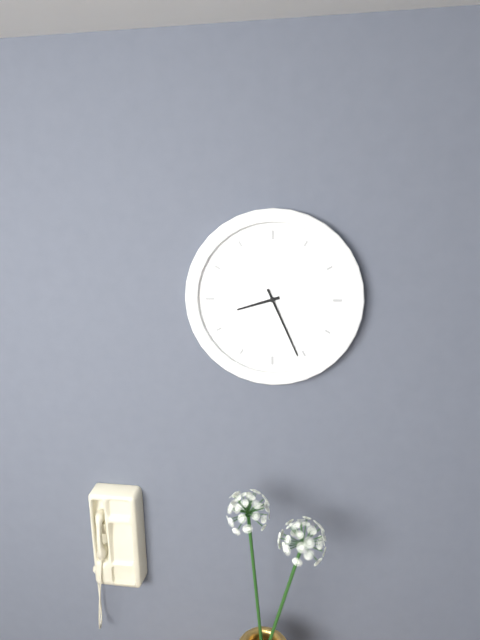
8:26
